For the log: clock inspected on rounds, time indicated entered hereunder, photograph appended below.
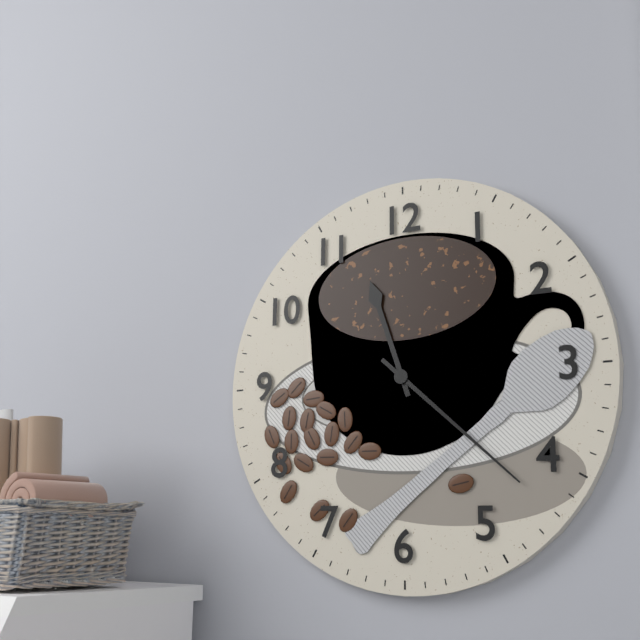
11:22
